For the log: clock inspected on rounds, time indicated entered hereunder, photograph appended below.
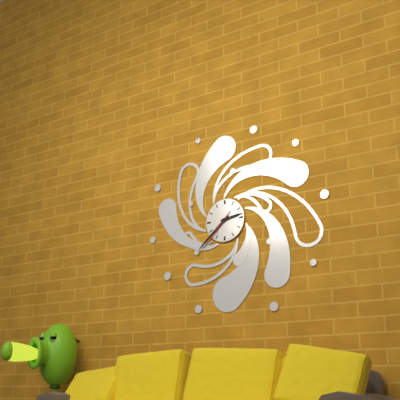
2:38
